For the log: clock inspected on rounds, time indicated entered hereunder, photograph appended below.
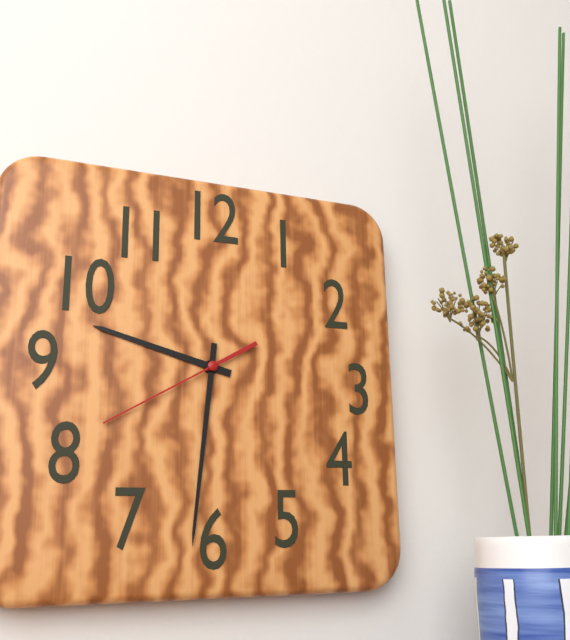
9:31:40
